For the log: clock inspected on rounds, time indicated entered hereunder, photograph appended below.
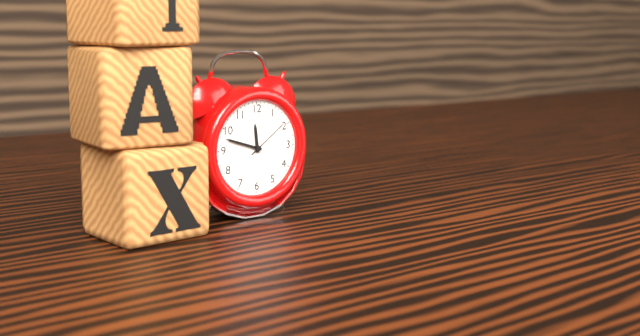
11:48
